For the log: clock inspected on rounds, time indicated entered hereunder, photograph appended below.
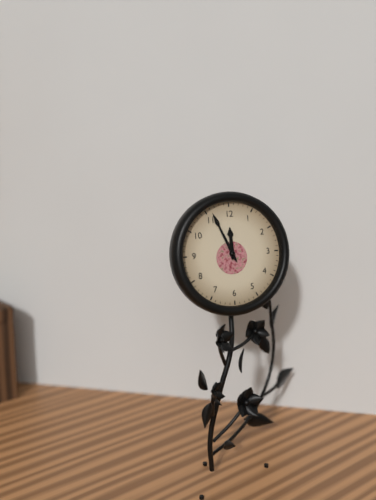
11:56
